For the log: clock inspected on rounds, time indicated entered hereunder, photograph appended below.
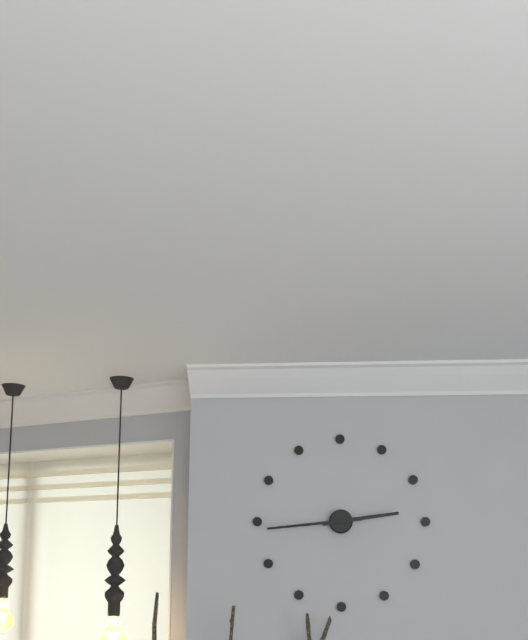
2:44
